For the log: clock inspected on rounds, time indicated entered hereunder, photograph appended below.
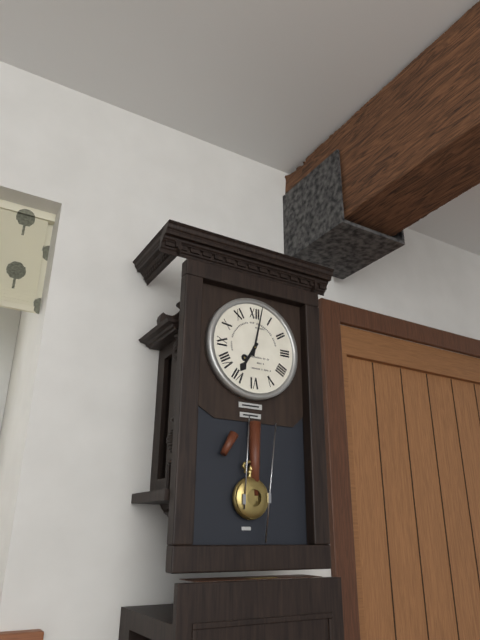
7:02
